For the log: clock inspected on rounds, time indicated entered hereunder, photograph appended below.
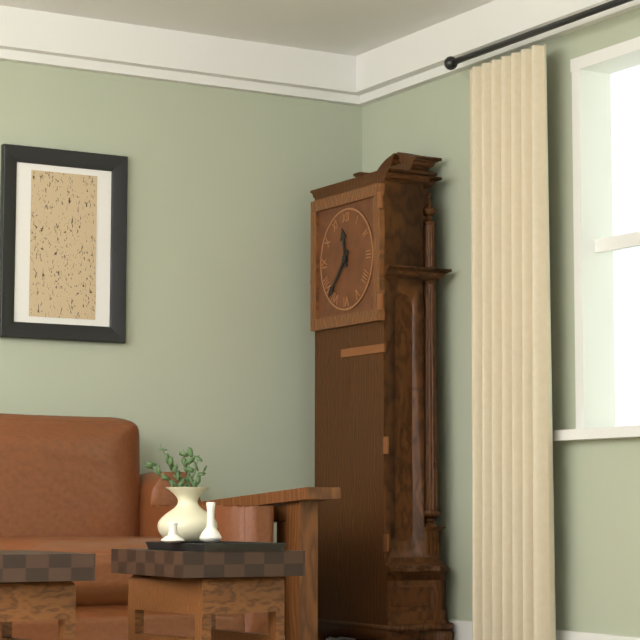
11:37
